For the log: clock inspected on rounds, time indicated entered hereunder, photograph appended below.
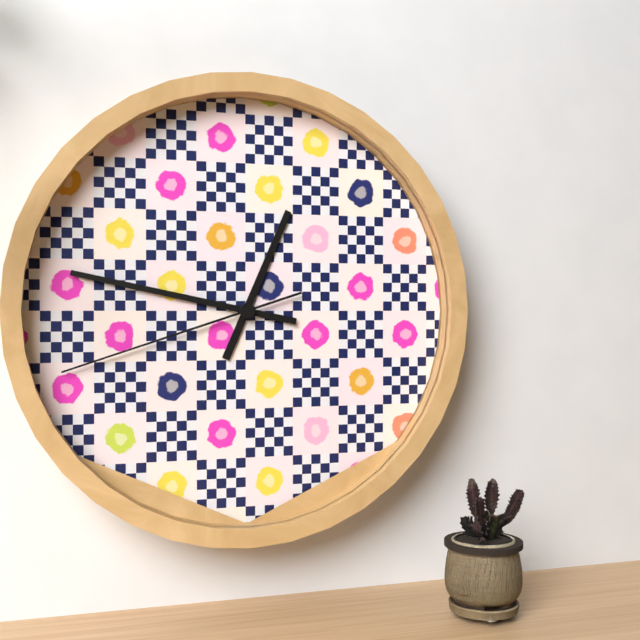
12:47:42
